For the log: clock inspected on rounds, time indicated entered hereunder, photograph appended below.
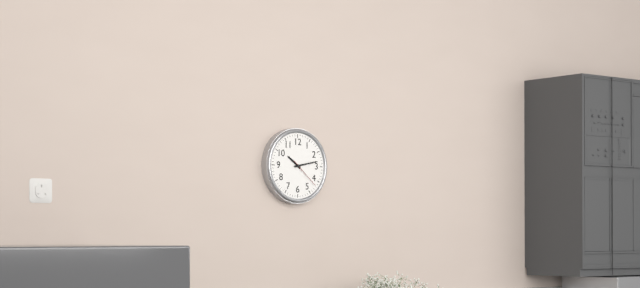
10:13
